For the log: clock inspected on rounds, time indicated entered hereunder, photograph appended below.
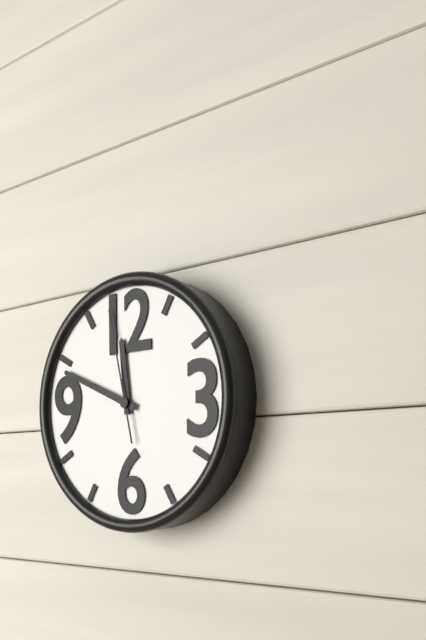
11:49:58
